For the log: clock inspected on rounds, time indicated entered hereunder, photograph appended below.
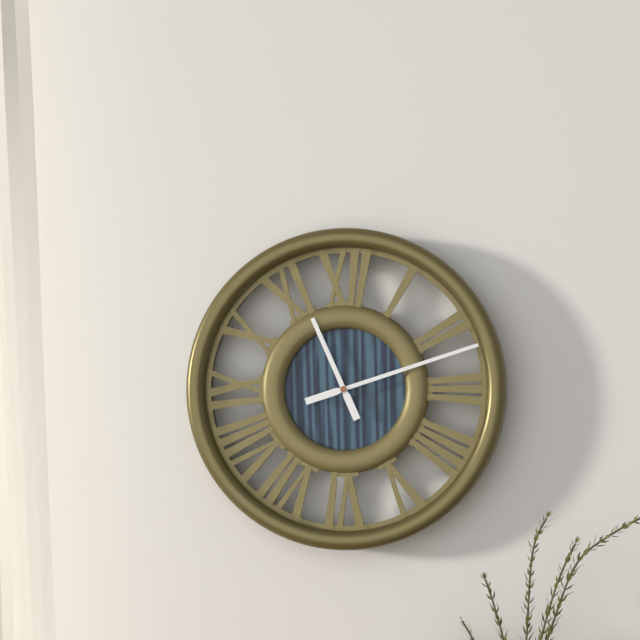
11:12
